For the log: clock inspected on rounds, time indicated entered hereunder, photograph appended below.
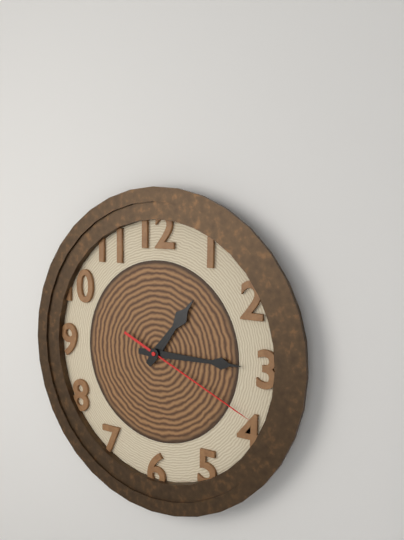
1:15:19
